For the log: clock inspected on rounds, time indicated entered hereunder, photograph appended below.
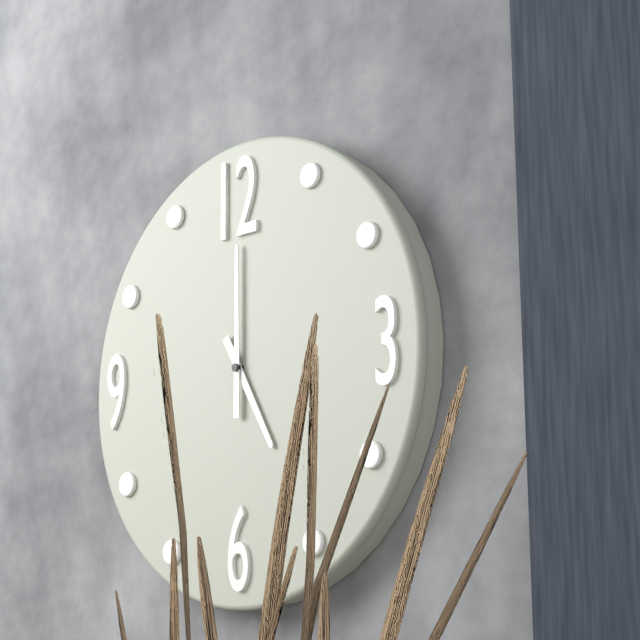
5:00
